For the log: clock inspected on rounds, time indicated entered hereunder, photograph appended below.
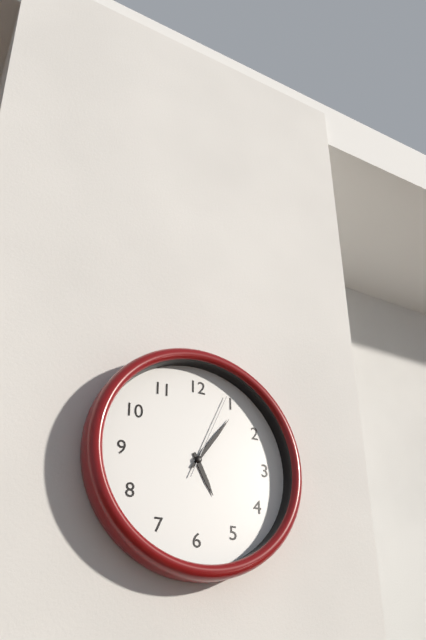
5:06:04
